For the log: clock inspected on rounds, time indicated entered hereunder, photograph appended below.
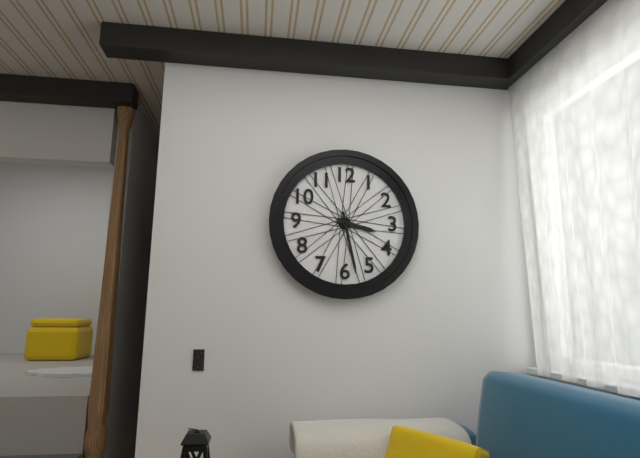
3:28
